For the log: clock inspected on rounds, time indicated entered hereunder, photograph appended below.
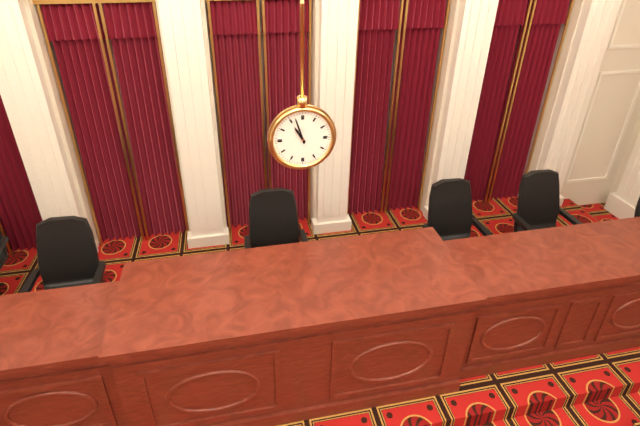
10:57
